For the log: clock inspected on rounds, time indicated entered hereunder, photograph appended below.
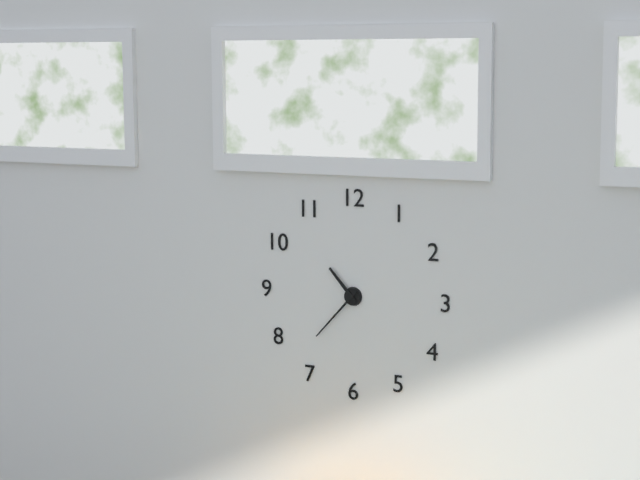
10:37
